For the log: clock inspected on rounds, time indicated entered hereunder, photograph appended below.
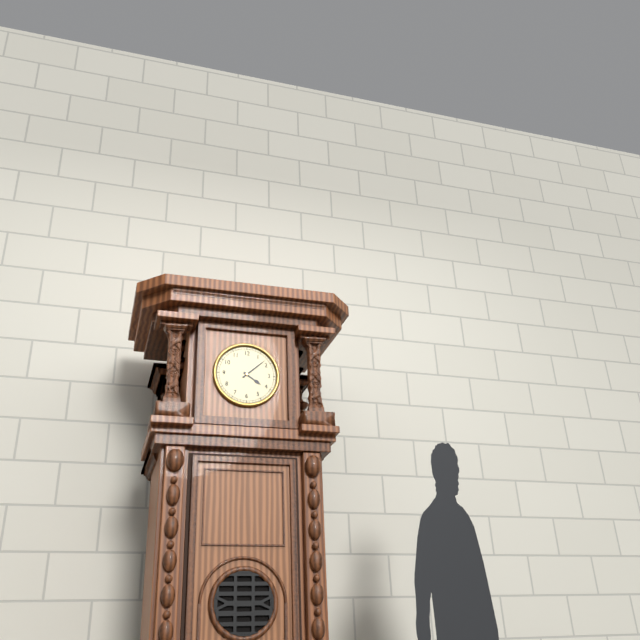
4:08
